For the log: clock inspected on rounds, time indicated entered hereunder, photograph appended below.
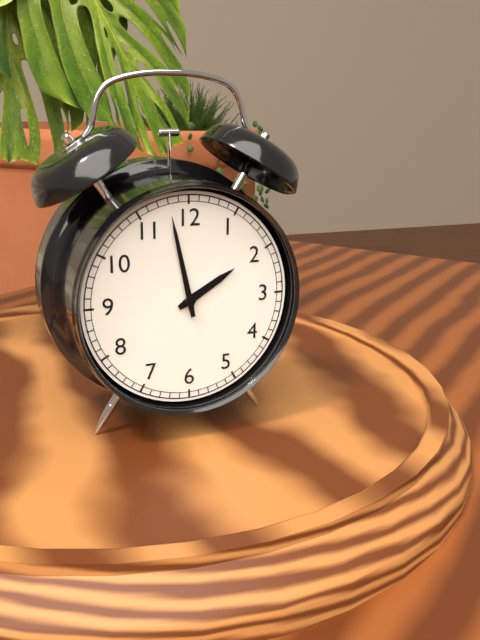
1:58
